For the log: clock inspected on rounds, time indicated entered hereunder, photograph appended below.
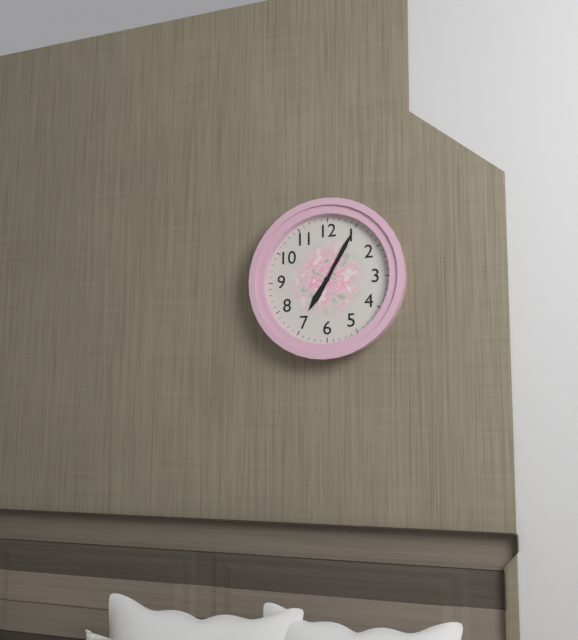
7:05
